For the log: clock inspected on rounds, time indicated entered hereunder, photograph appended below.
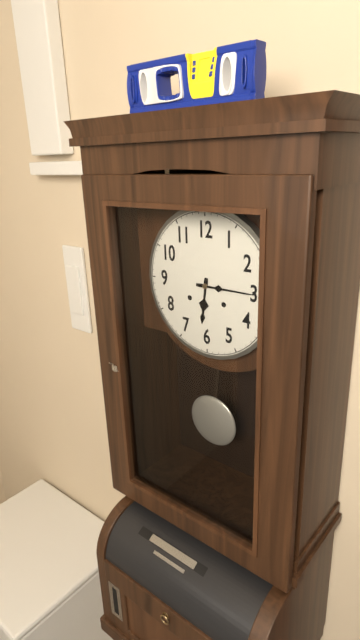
6:15
